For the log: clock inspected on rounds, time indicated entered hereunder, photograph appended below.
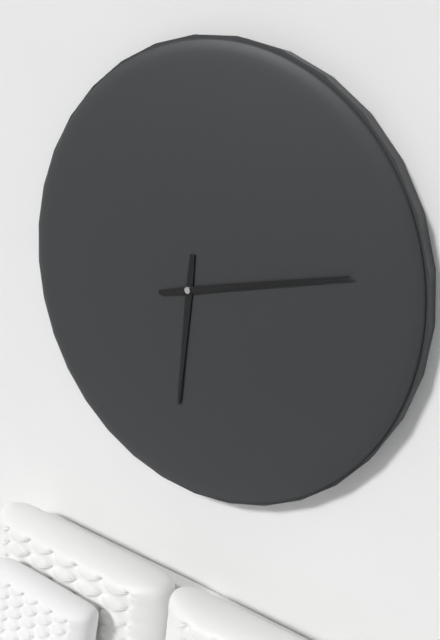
6:13
